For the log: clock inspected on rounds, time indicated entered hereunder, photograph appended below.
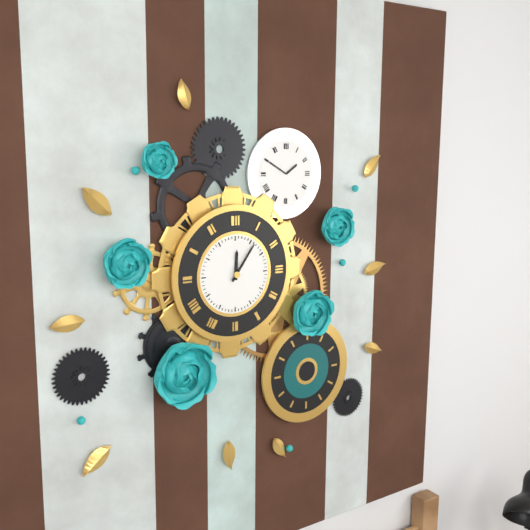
12:06
